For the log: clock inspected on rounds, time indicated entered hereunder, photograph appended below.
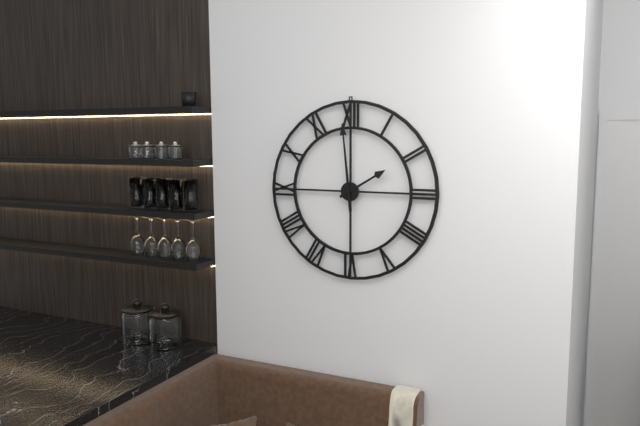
1:59
